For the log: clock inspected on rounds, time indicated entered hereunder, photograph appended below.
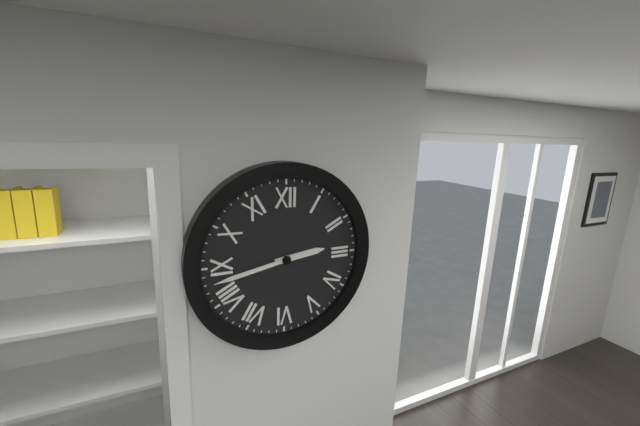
2:43
